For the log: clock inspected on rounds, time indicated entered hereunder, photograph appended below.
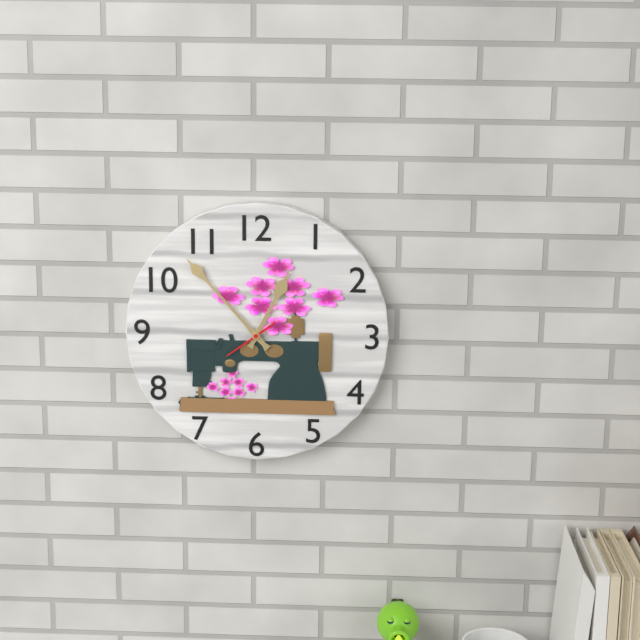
12:53
